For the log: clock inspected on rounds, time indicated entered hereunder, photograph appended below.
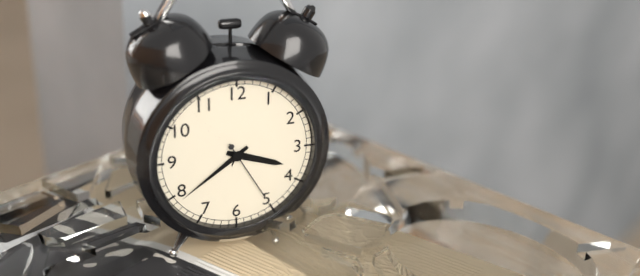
3:39:25
